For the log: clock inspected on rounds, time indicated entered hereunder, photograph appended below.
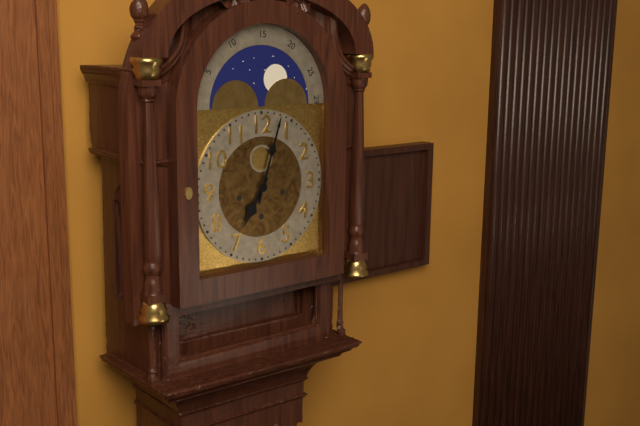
7:03
